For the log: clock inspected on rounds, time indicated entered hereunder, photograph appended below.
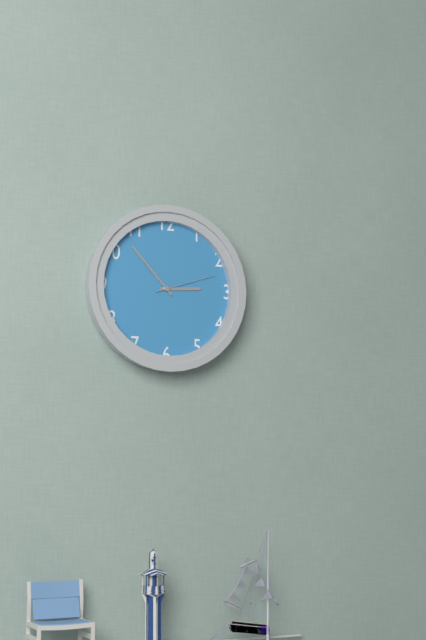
2:53:12
